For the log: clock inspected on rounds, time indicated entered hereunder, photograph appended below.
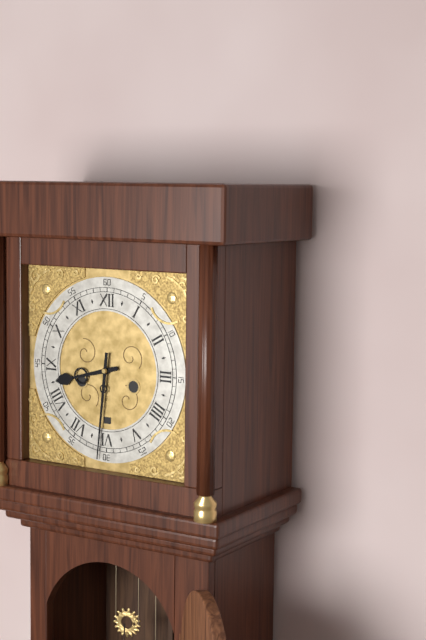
8:31
